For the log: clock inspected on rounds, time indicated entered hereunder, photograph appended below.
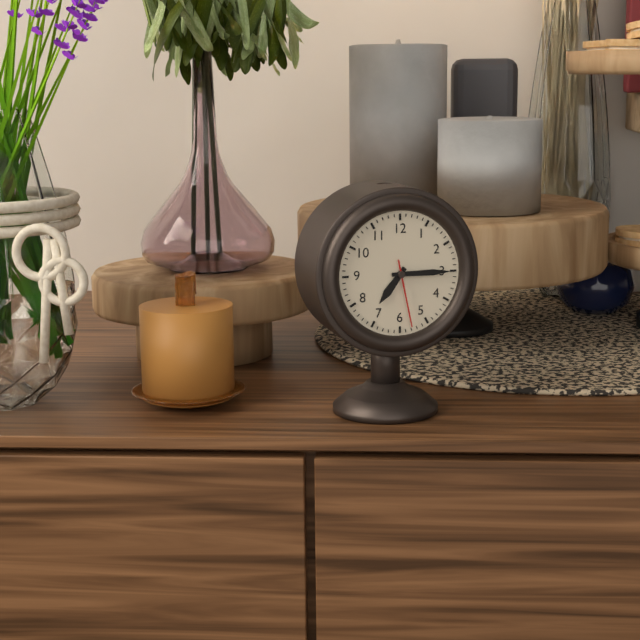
7:15:28
